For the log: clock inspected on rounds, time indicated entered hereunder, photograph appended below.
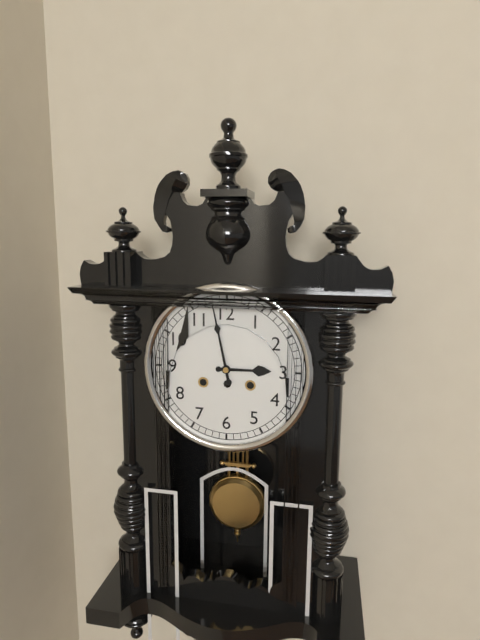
2:58
